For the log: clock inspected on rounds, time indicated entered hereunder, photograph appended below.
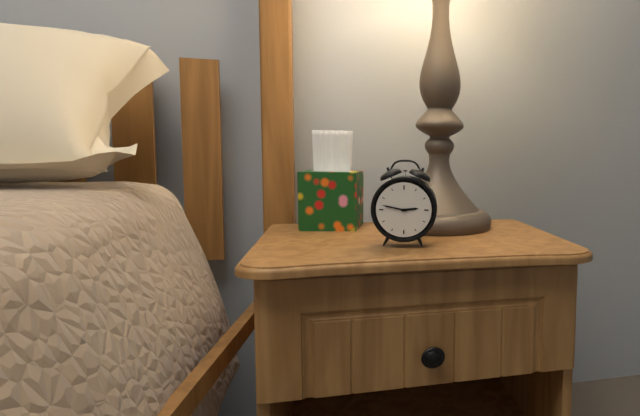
2:47
